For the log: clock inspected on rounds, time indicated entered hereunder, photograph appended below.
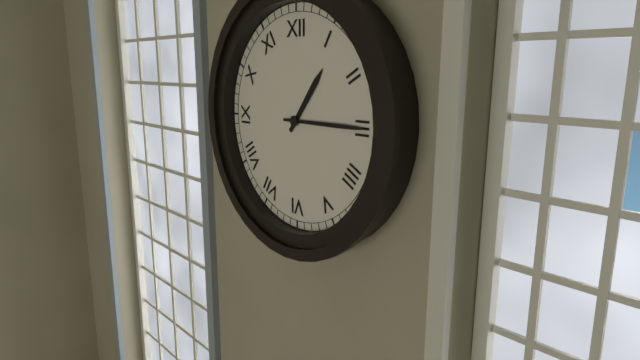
1:15
